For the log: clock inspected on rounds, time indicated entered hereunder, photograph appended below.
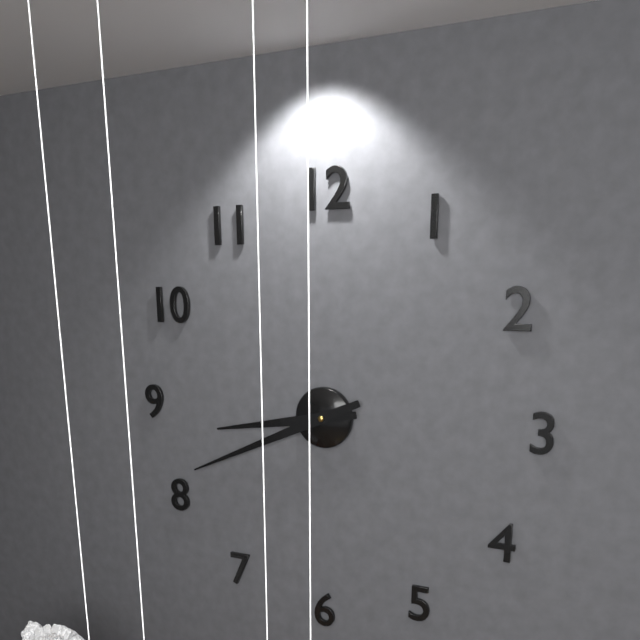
8:41
